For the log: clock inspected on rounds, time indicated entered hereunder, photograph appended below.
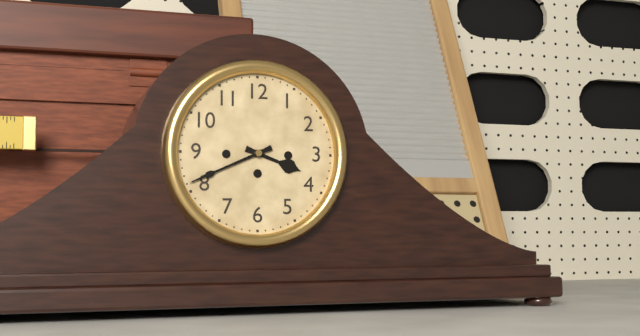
3:41
